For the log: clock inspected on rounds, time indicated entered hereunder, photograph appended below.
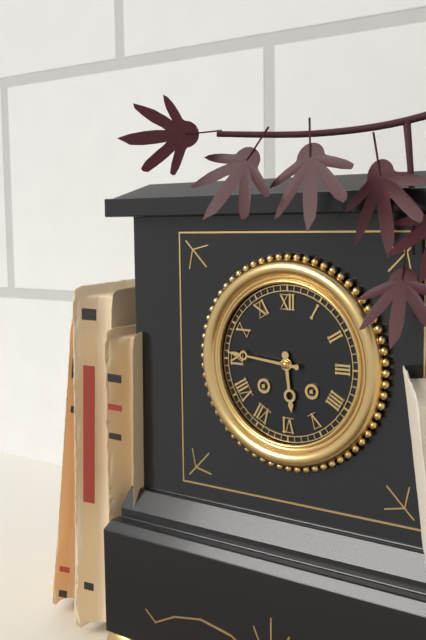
5:46
